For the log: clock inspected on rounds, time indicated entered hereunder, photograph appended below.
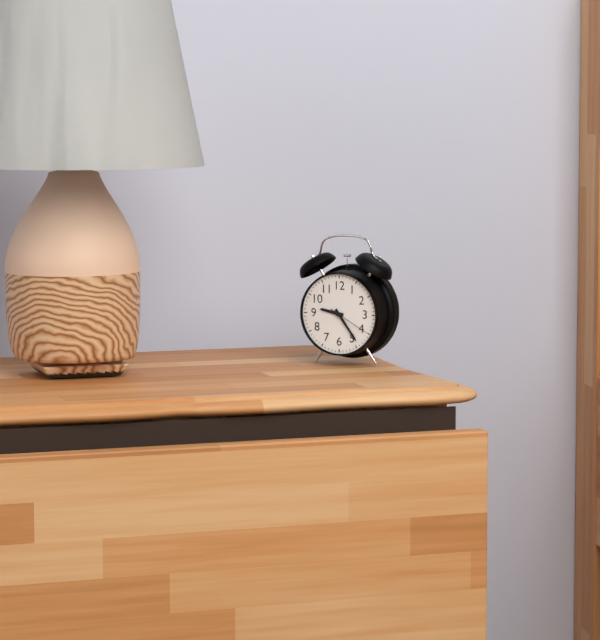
9:24
